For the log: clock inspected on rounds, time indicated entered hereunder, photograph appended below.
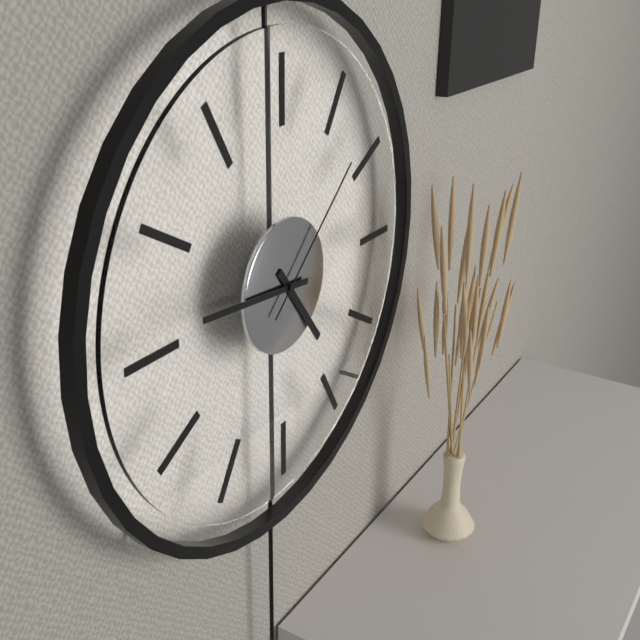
4:46:08
